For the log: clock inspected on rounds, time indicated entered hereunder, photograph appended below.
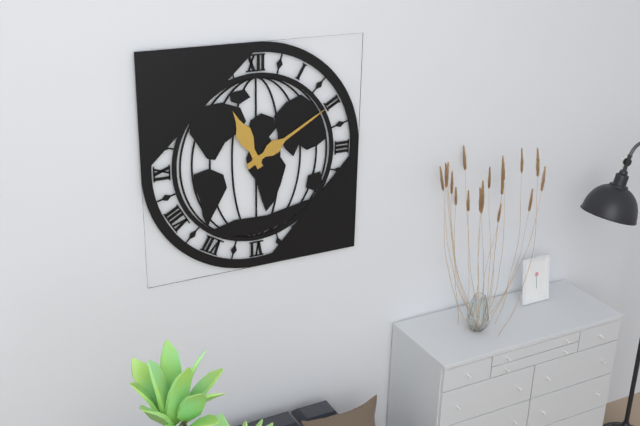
11:10
